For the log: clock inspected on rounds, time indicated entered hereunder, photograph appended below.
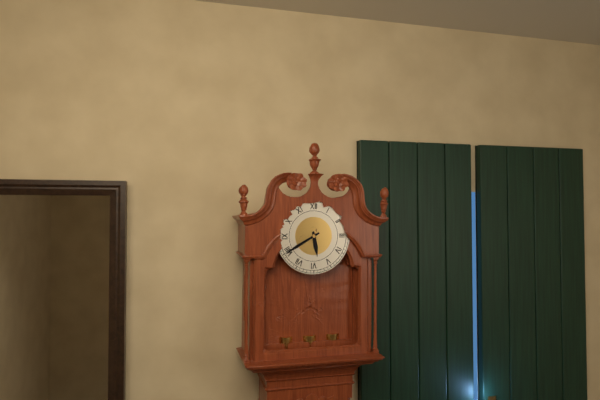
5:40
